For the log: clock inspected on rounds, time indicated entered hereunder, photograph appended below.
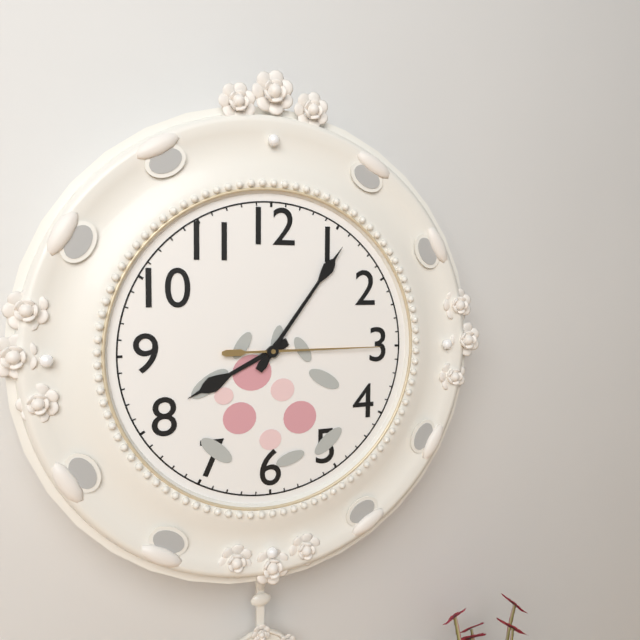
8:06:15
